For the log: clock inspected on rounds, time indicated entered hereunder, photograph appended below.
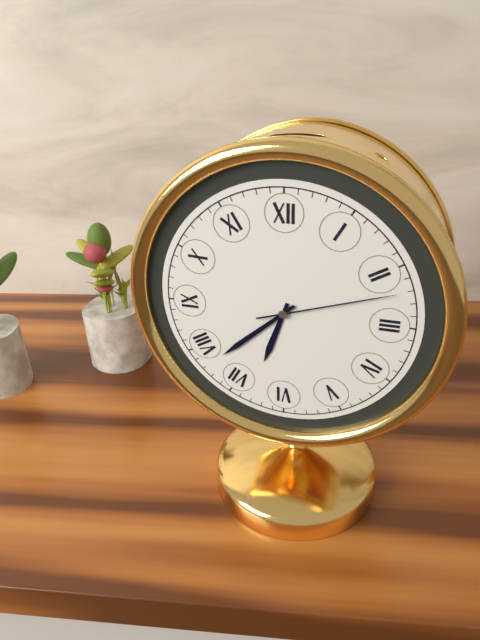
6:38:12
